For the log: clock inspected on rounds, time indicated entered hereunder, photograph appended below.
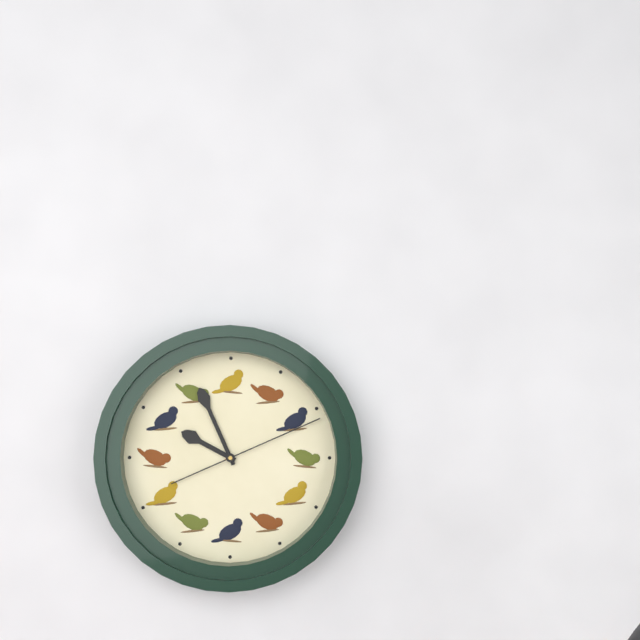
9:56:11
